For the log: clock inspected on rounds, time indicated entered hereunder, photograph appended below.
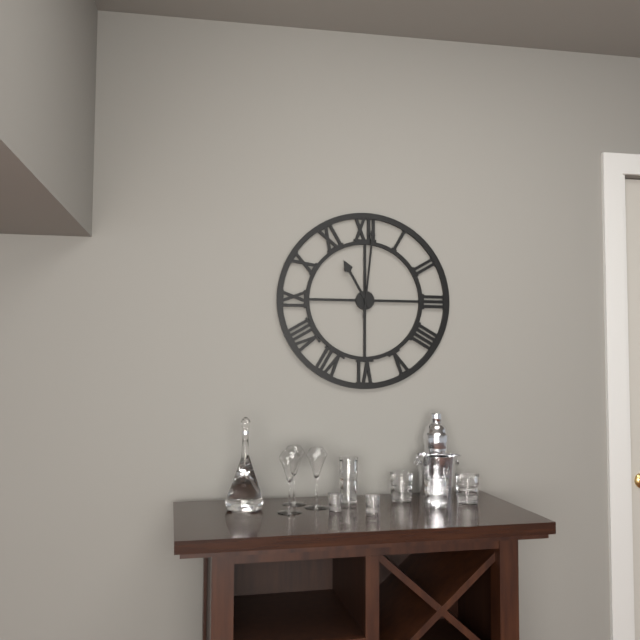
11:01
